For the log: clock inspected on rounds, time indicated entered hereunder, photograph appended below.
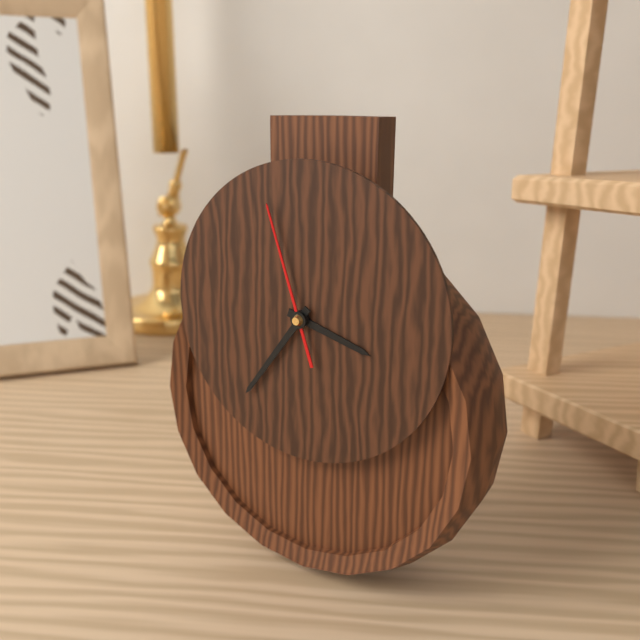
3:36:57
